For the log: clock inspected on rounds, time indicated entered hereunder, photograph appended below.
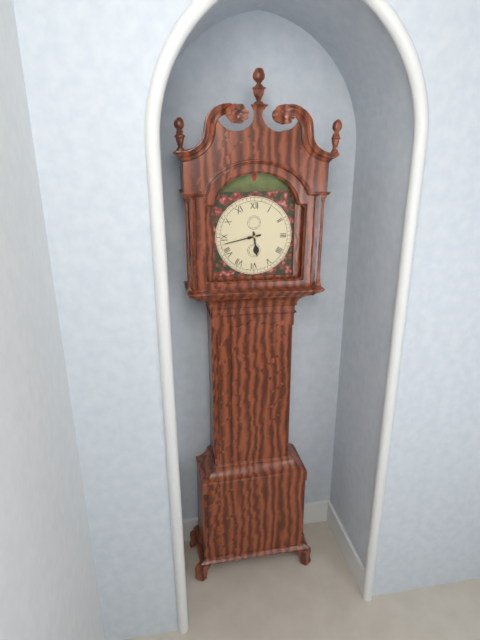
5:43
